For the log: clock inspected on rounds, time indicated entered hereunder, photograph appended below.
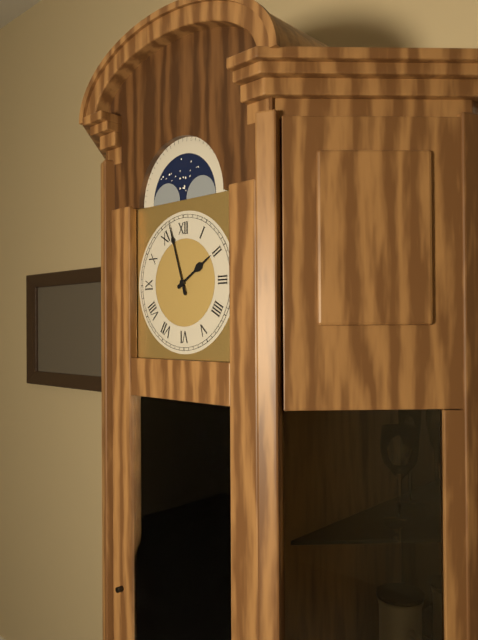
1:57
